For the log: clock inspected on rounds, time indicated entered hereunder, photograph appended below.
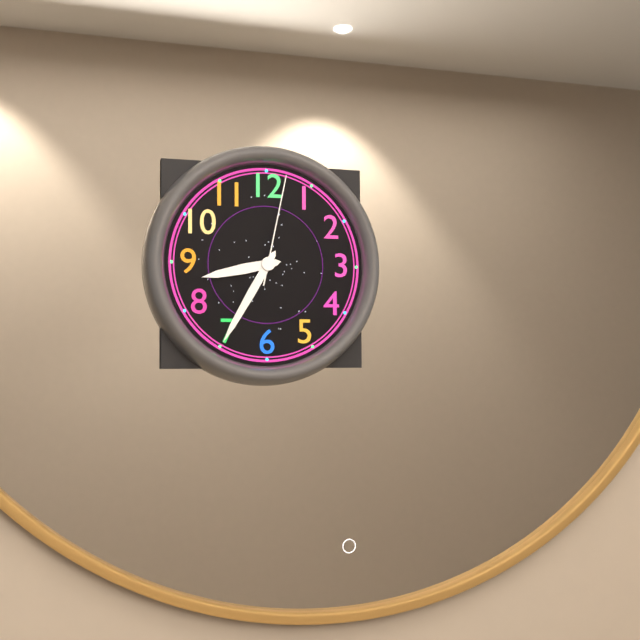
8:35:02
